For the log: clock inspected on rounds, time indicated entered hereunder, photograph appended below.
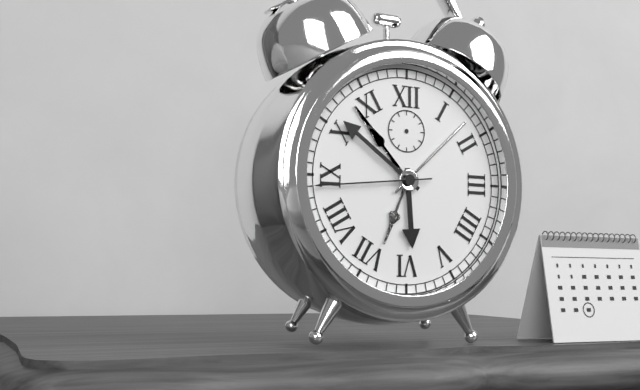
5:51:44
